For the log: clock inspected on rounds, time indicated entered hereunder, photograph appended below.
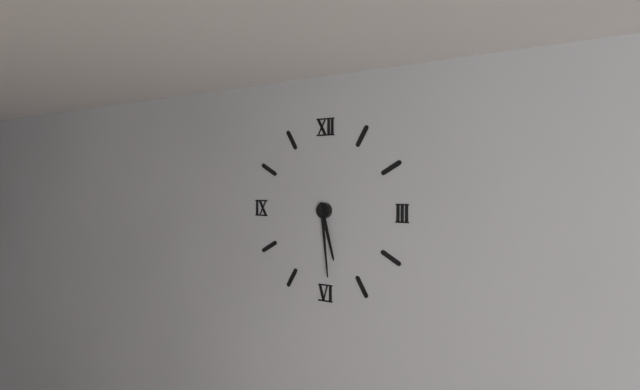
5:29
